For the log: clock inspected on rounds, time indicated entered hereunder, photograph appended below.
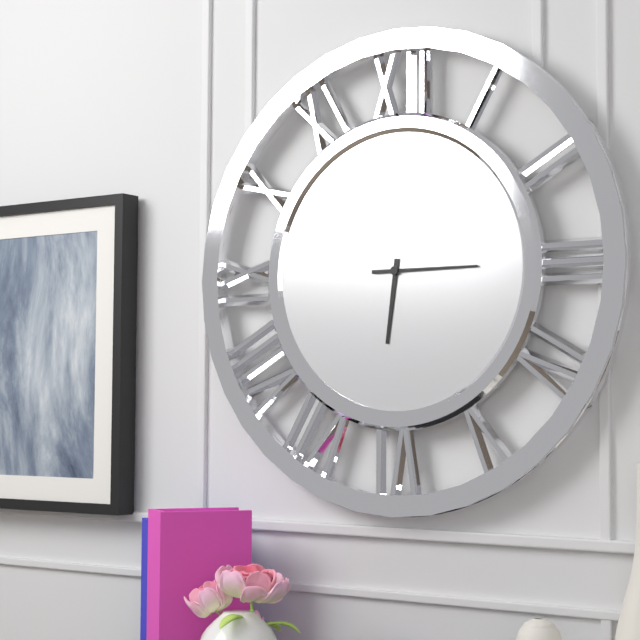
6:15
